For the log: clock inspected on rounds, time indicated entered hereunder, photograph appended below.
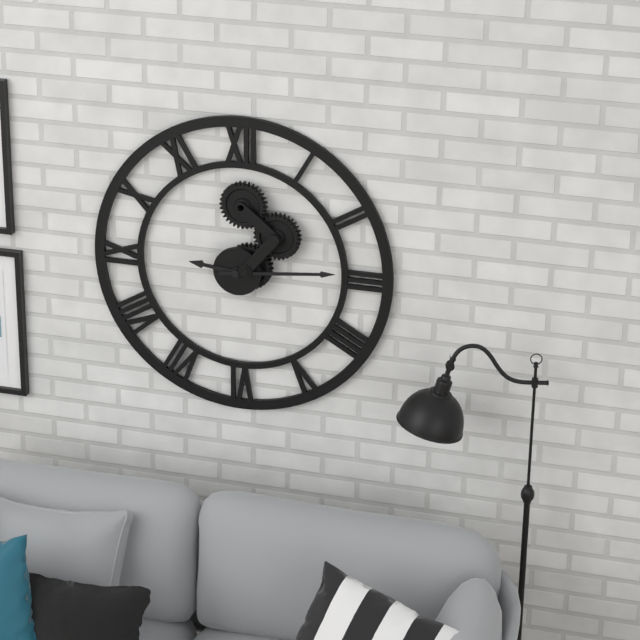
9:14
